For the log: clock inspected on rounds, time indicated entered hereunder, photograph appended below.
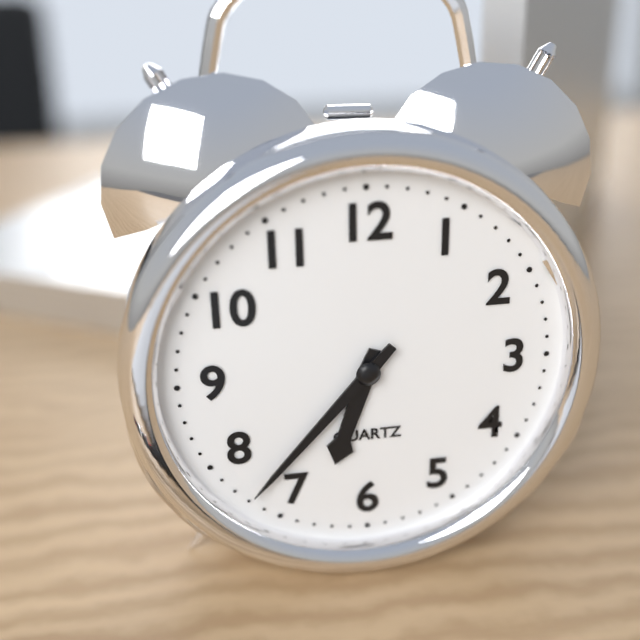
6:37
